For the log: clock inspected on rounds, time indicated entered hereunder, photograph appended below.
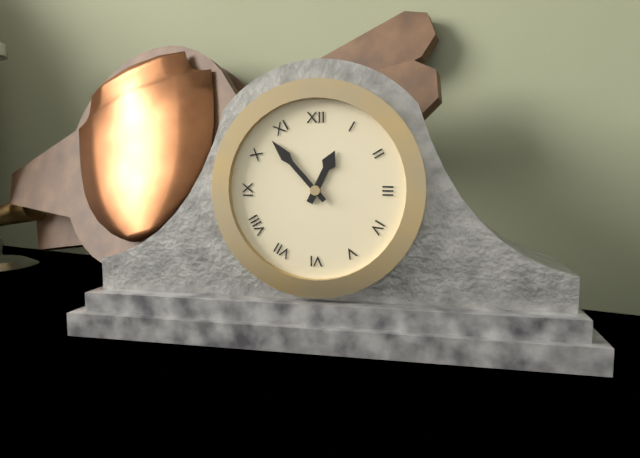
12:53
